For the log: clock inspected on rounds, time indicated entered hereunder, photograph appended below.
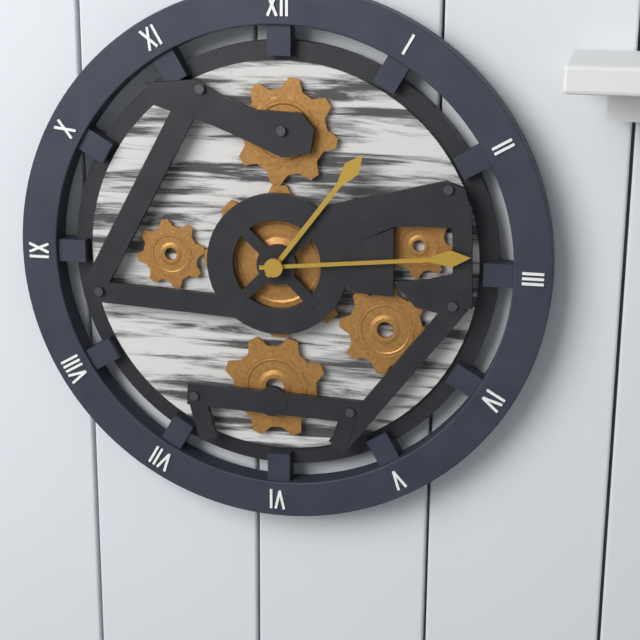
1:14
